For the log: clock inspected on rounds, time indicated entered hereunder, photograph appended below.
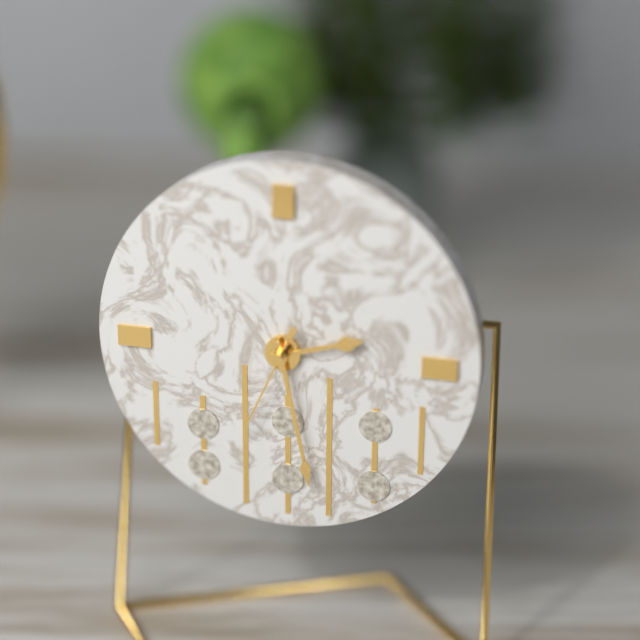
2:28:34
